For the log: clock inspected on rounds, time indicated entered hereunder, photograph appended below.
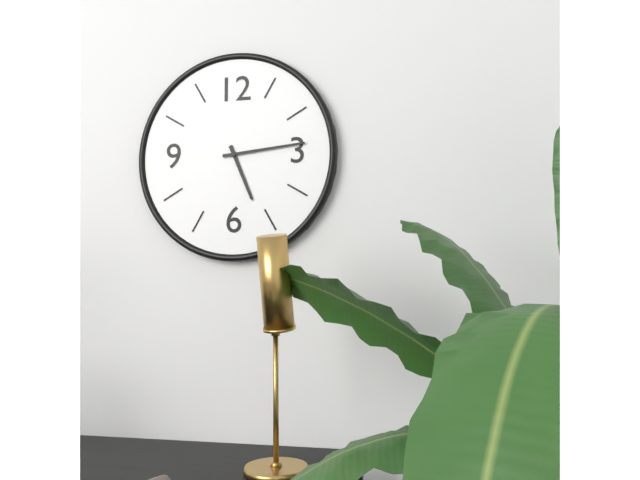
5:14
